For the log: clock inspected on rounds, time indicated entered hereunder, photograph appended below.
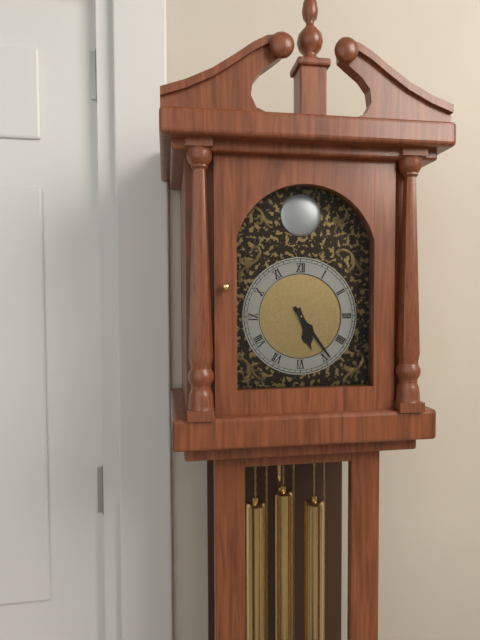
5:24
